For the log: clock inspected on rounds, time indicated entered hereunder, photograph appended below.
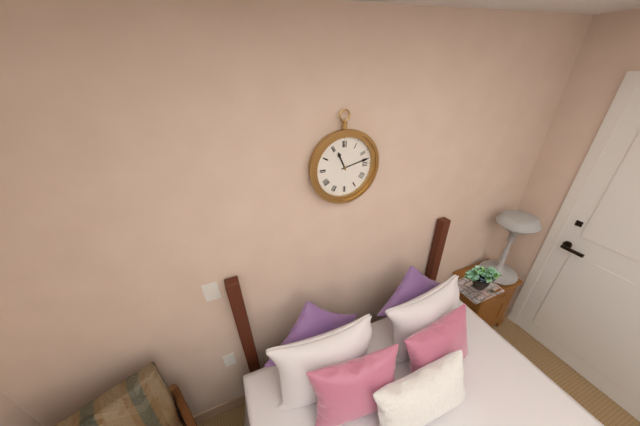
11:13
